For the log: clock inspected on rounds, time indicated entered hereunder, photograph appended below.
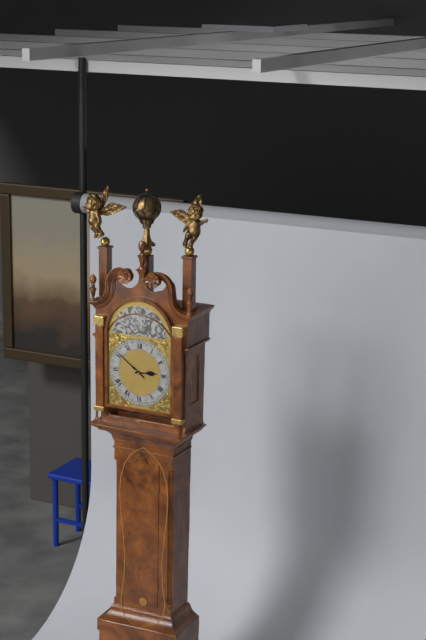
2:51
